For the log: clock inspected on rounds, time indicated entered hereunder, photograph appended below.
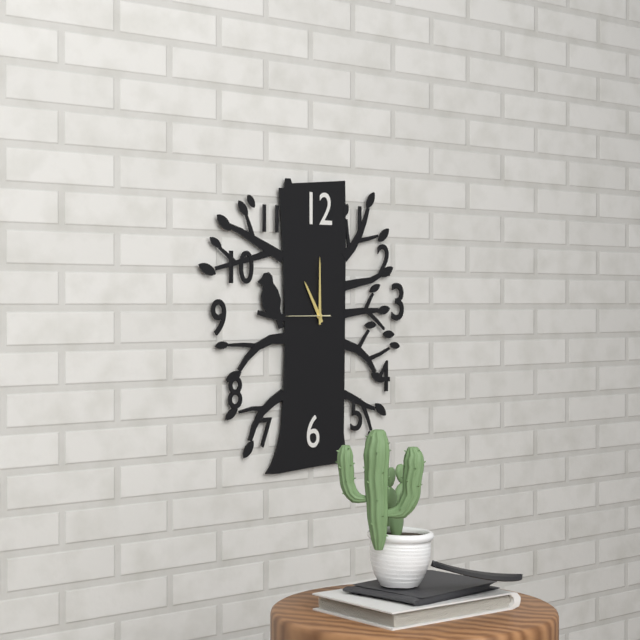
11:00
